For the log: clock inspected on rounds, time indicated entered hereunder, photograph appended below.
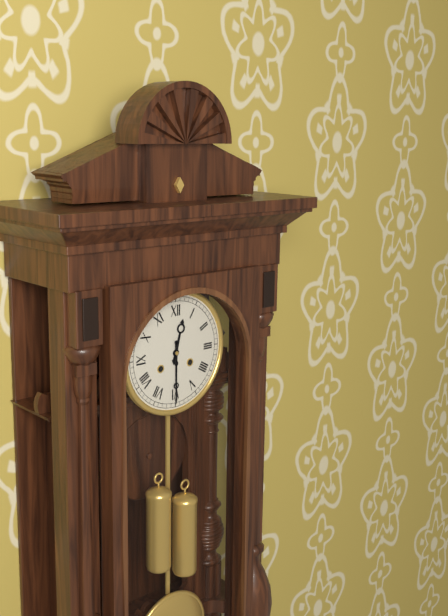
12:30
